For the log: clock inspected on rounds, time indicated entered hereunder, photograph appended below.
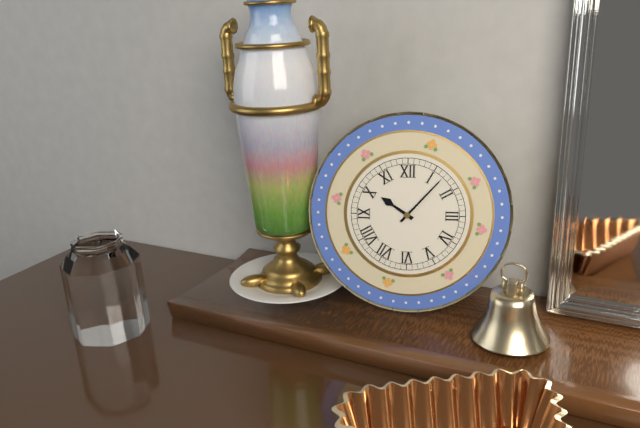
10:07
